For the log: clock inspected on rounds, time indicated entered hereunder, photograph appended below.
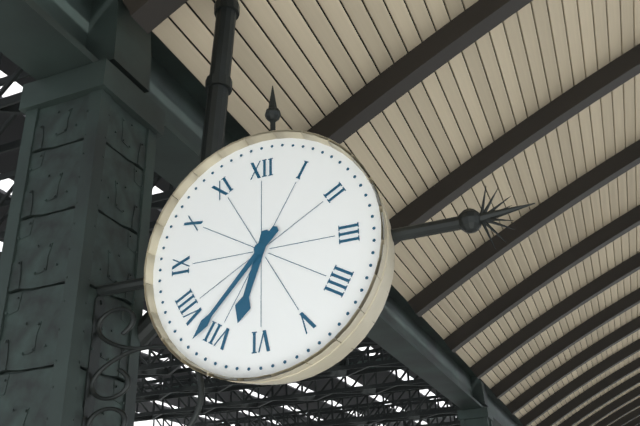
6:37
